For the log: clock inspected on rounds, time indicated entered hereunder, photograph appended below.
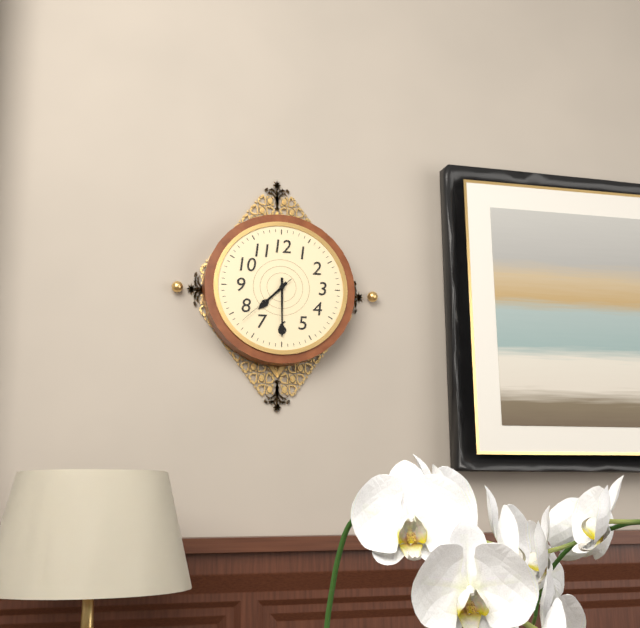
7:30:38
